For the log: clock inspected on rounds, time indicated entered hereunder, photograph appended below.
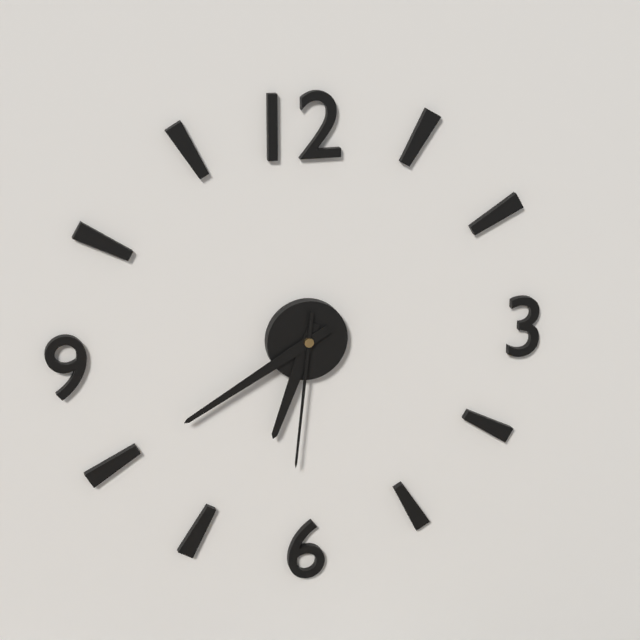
6:40:31
